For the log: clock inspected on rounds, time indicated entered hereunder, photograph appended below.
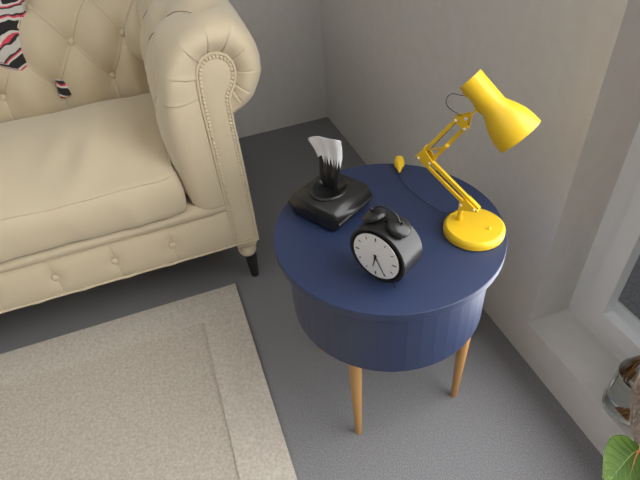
6:25
